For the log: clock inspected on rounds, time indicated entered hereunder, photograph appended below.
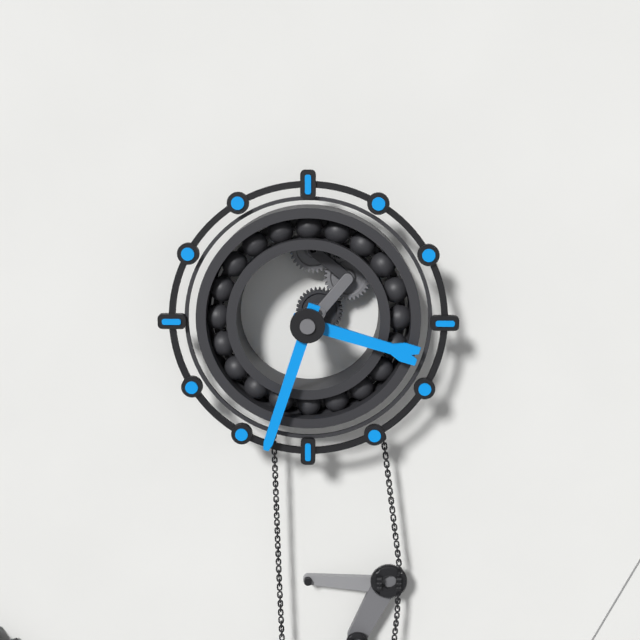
3:33
